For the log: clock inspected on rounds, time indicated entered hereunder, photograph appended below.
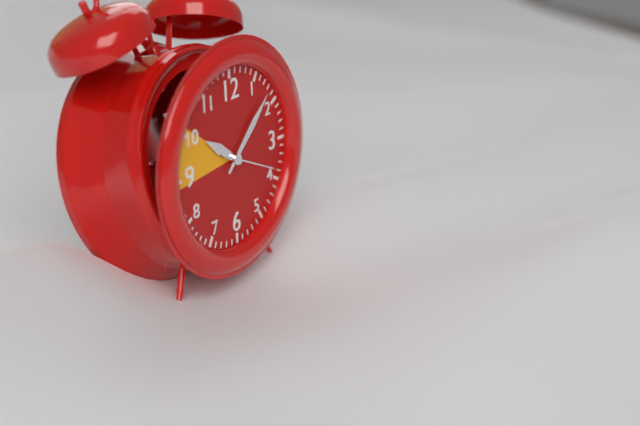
10:08:19
